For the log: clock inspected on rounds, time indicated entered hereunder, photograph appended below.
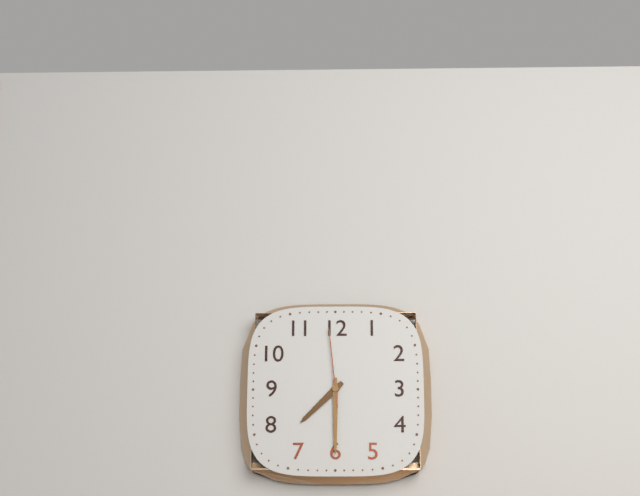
7:30:59
